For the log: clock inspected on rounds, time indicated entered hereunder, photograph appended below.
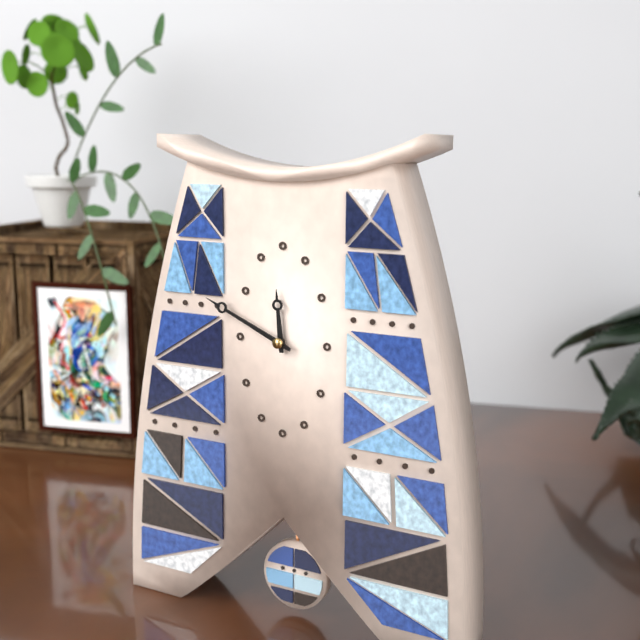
11:49
